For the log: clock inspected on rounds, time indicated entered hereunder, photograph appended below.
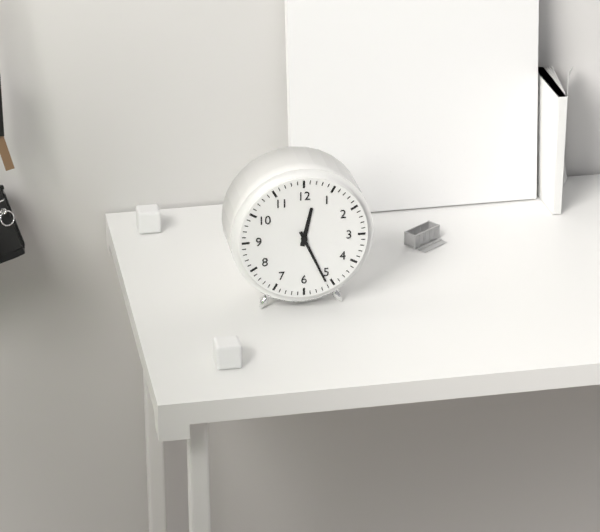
12:26
